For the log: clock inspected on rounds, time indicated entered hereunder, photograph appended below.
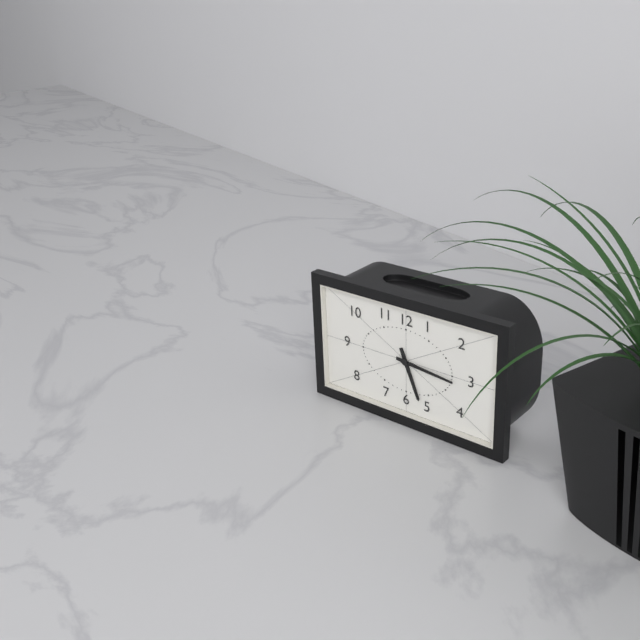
5:16
